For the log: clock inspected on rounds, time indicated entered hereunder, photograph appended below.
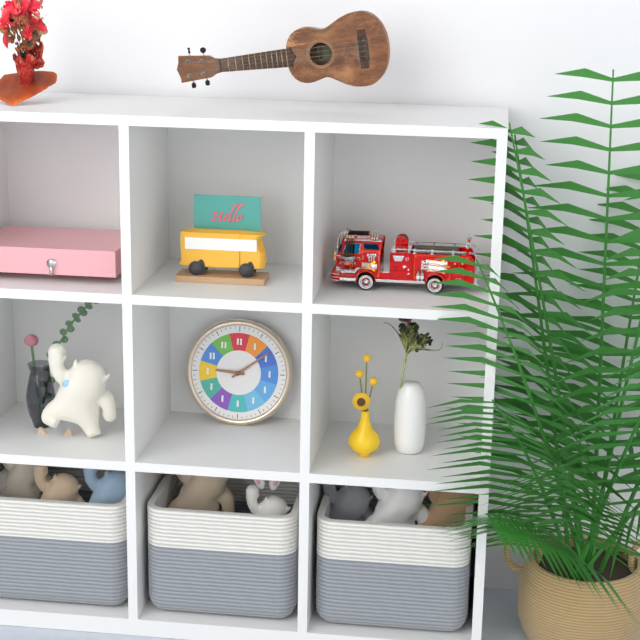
9:09
